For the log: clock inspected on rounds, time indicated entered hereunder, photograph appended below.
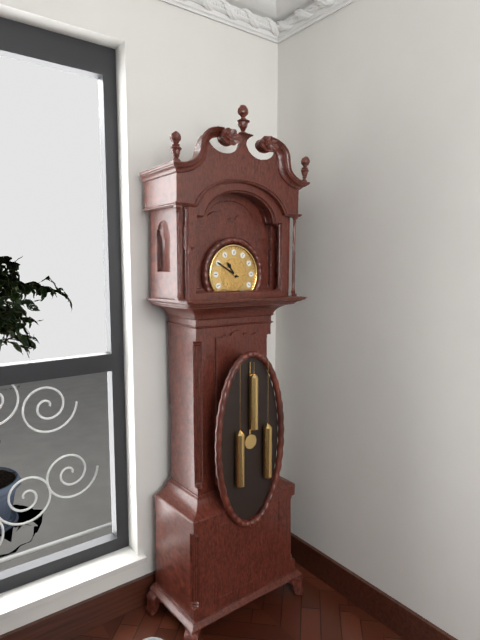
10:50
